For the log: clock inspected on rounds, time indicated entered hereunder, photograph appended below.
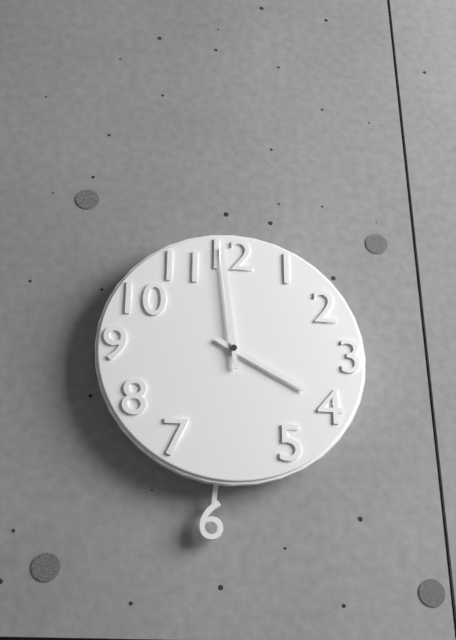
3:59
